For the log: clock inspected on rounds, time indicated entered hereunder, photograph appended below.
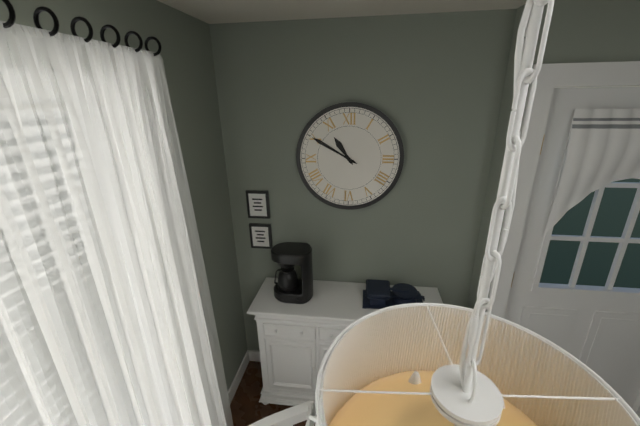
10:50
